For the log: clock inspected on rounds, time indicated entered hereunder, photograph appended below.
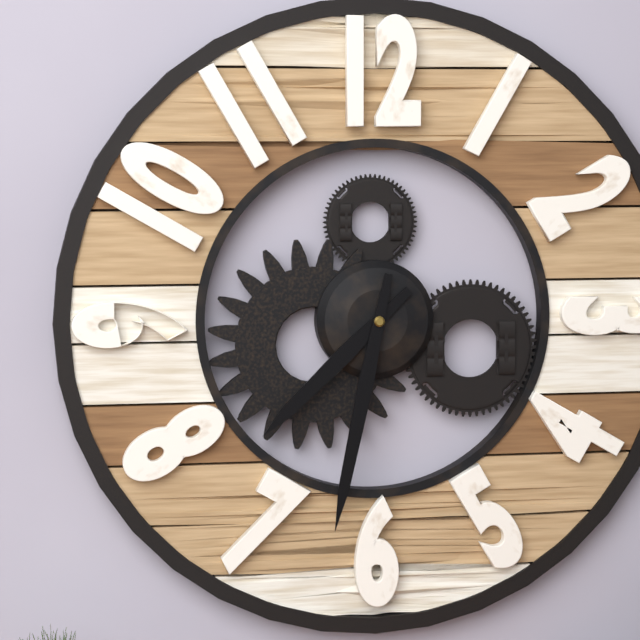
7:32
